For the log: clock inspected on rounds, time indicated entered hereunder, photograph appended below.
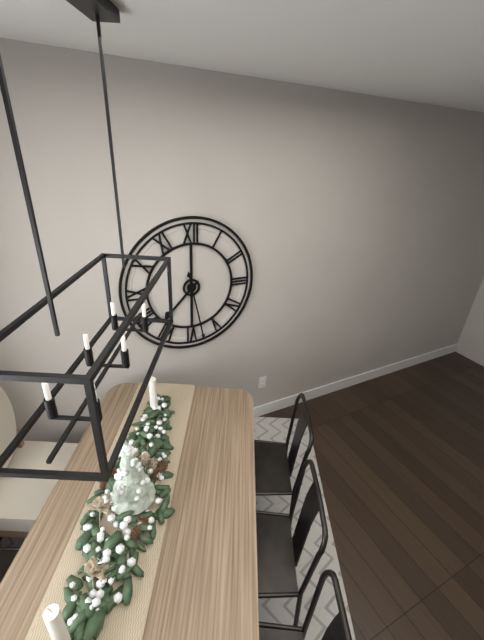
7:28
